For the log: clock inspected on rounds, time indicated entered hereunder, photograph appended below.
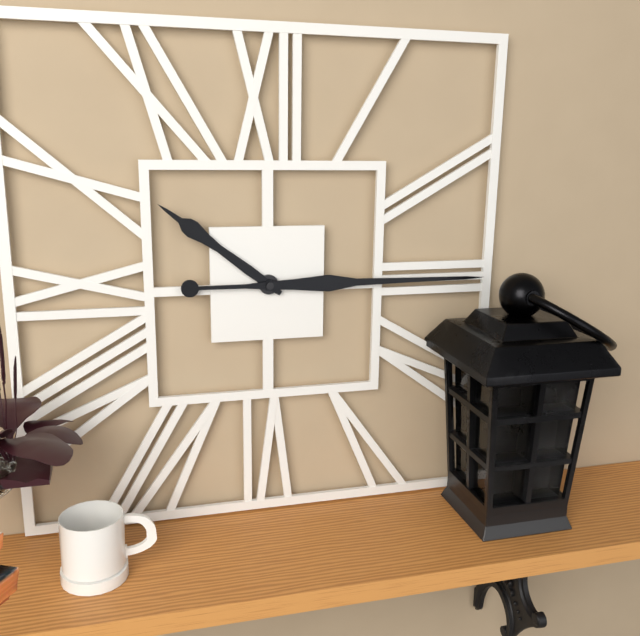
10:15
